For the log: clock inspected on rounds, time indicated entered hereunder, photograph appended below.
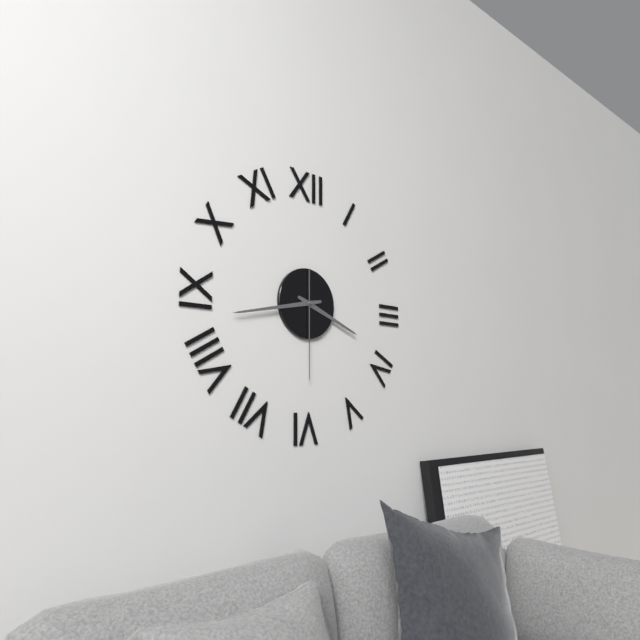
3:43:30
